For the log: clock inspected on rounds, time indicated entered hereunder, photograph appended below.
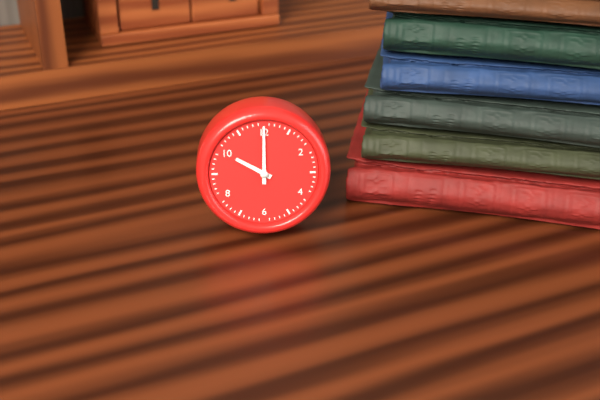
10:00
